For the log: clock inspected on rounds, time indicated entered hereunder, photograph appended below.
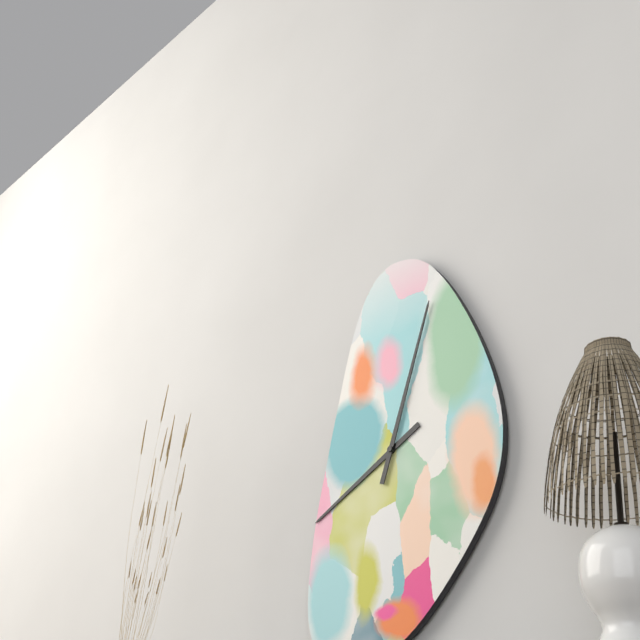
8:03
